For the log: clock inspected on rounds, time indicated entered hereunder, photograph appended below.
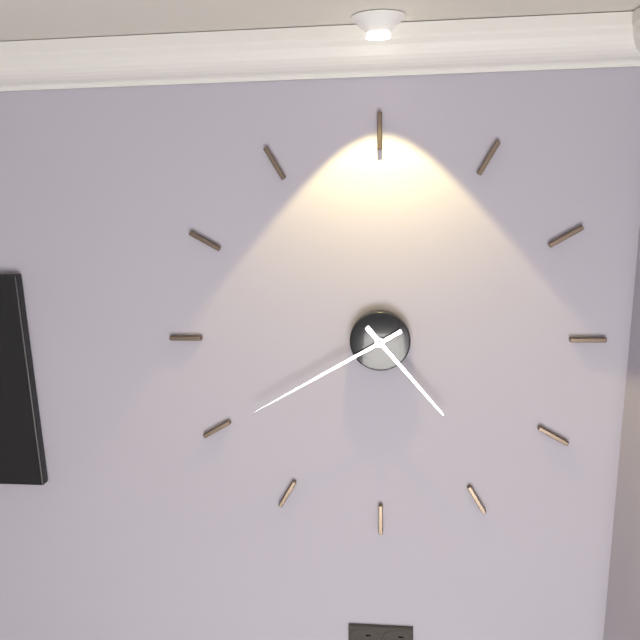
4:40
